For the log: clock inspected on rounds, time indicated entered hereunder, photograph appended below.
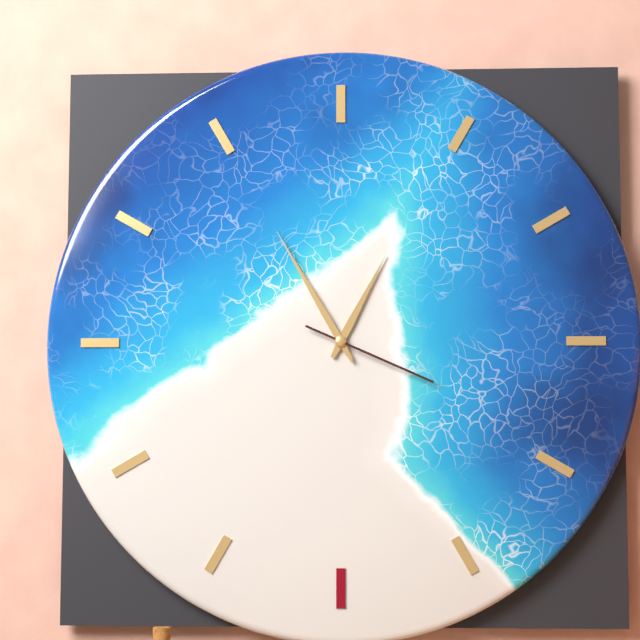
12:55:19
